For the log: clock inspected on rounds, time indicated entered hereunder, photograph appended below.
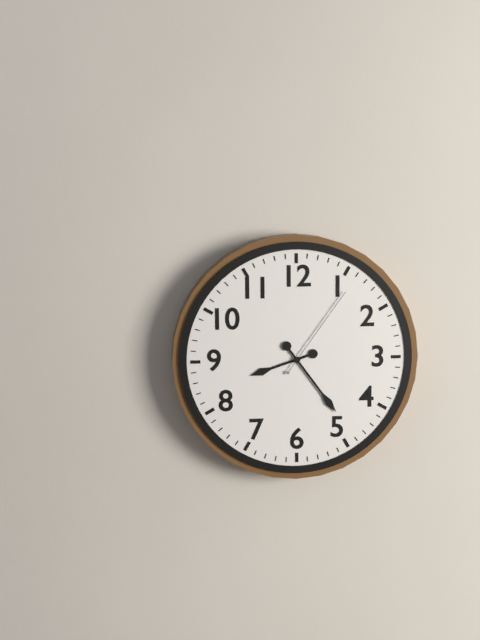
8:24:06
